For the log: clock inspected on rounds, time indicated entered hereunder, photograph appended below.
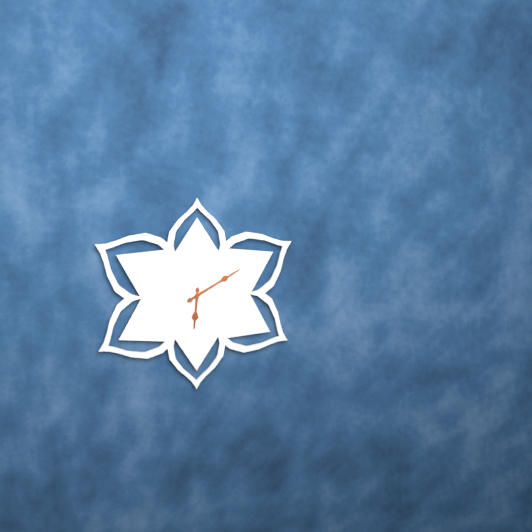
6:10
